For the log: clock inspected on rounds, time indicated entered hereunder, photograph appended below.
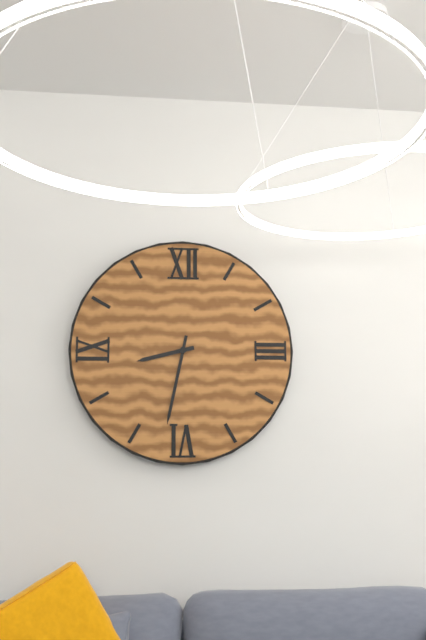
8:32
